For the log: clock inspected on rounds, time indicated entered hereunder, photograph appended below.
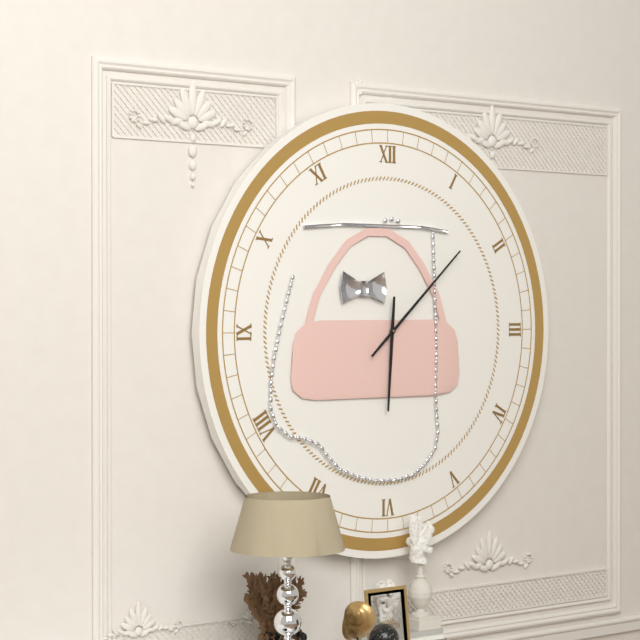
6:08
